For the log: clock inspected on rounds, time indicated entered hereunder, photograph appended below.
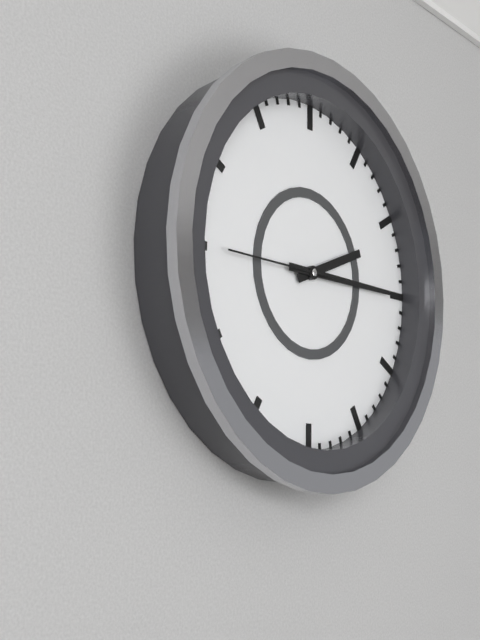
2:15:45
